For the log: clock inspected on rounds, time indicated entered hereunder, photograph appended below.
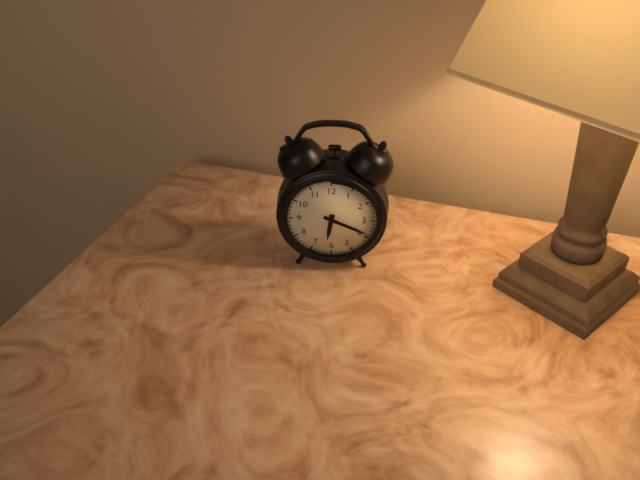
6:19
